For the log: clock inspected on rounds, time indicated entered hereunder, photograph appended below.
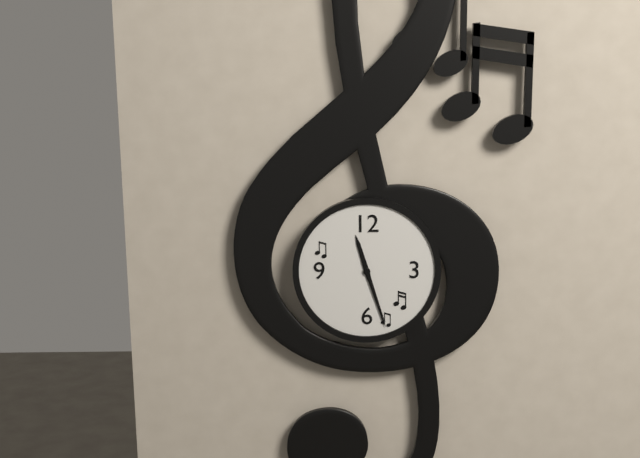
11:27
